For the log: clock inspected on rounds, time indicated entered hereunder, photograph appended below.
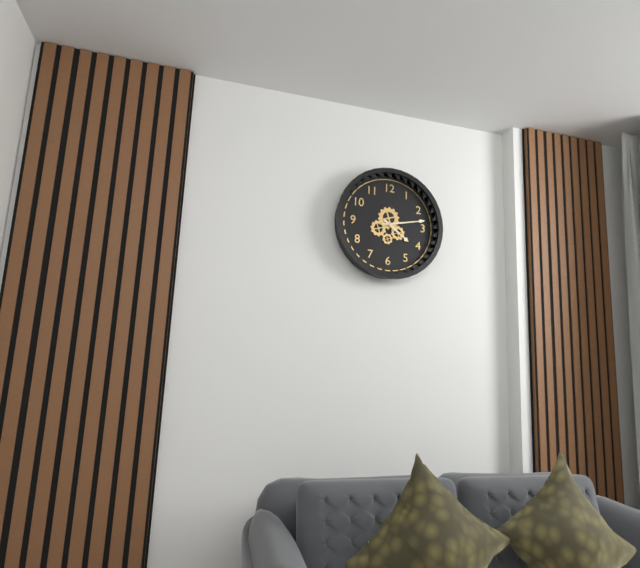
4:13
